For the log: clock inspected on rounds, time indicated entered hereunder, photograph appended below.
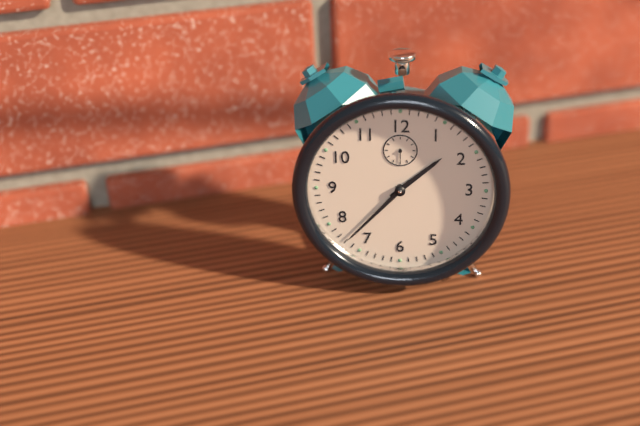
1:37
